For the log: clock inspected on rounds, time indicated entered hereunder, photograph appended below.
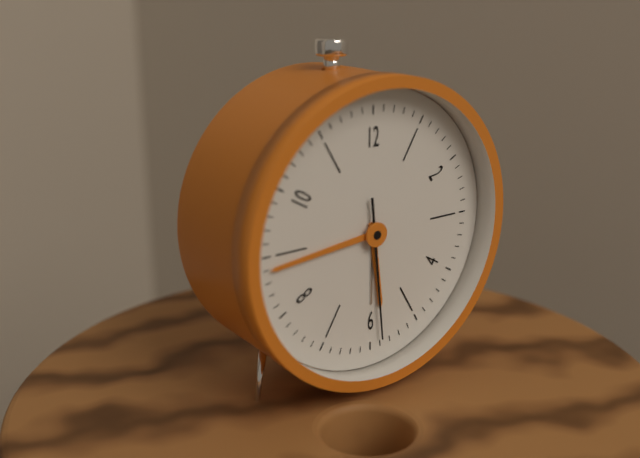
5:44:29
